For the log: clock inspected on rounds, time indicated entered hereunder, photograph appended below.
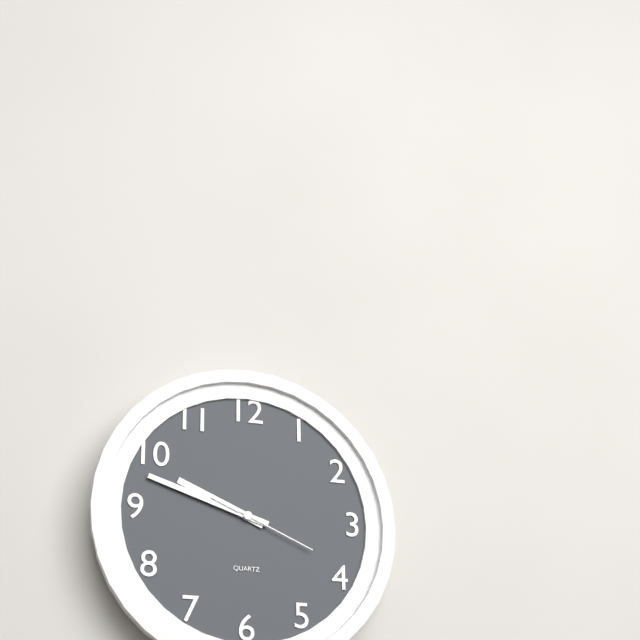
9:48:19
